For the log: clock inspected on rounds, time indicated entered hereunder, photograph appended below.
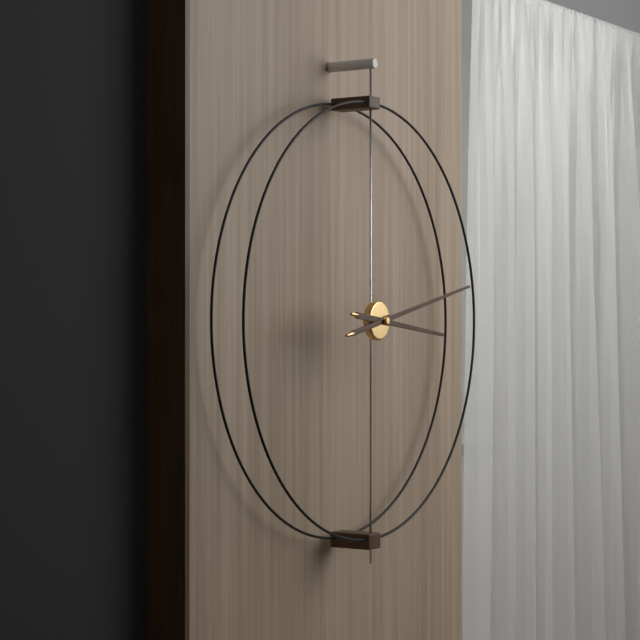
3:13
